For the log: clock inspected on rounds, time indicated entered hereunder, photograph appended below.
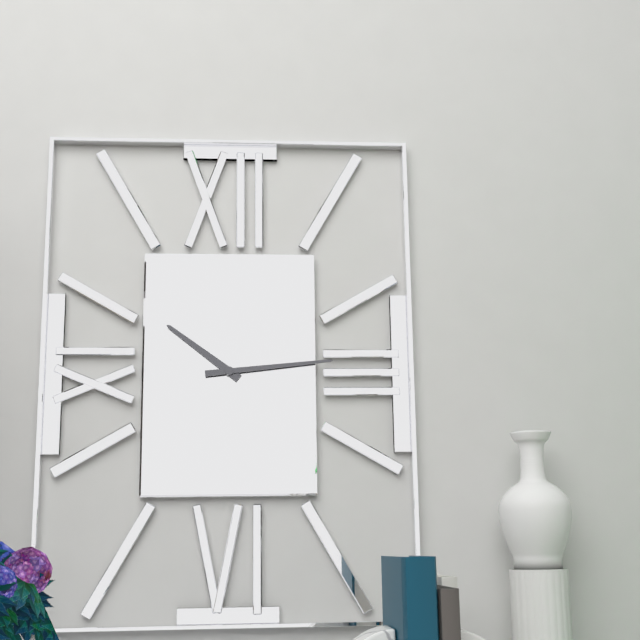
10:14
